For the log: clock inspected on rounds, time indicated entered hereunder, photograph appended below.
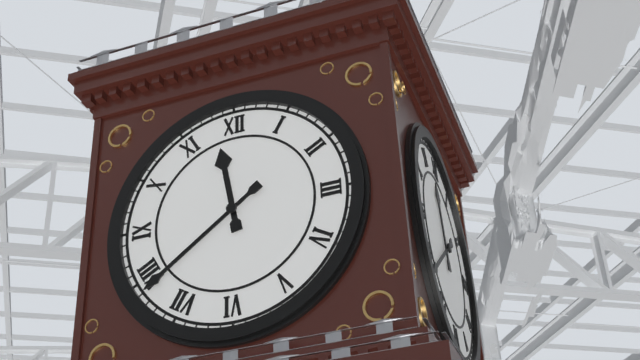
11:39
